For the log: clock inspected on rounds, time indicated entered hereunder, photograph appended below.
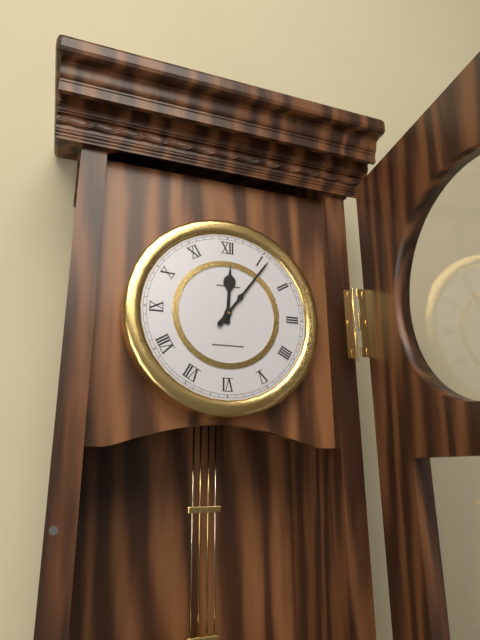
12:06
